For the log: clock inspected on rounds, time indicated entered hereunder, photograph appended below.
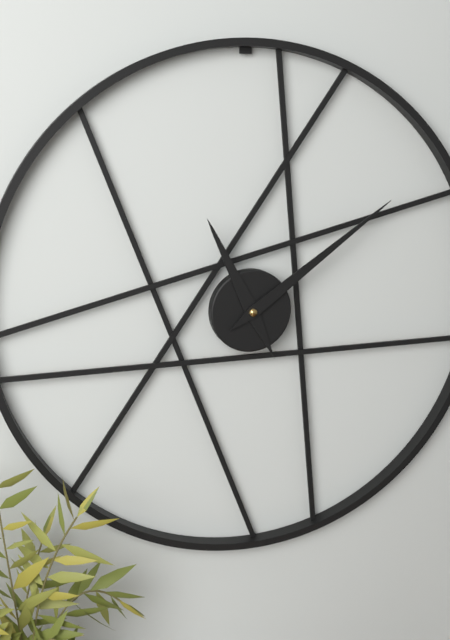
11:09
